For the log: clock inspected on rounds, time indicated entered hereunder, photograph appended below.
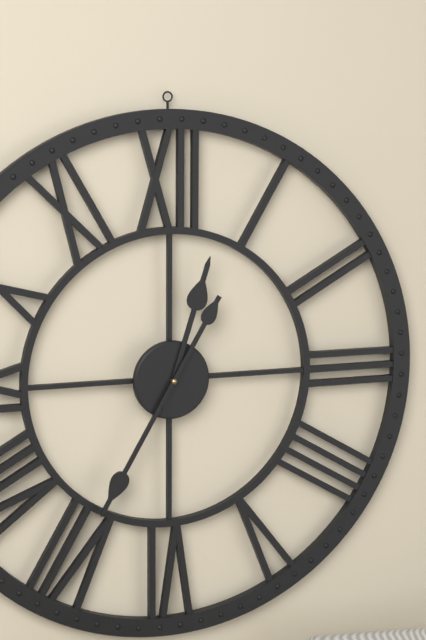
12:35
